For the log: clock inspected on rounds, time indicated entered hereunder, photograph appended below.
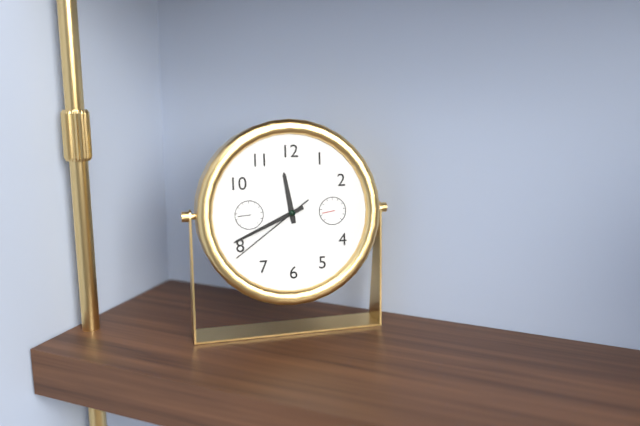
11:41:39
